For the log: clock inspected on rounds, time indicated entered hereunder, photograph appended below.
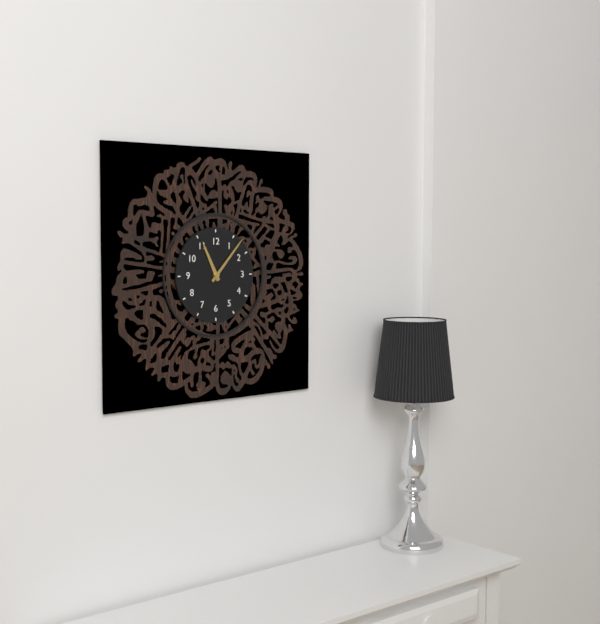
11:07
